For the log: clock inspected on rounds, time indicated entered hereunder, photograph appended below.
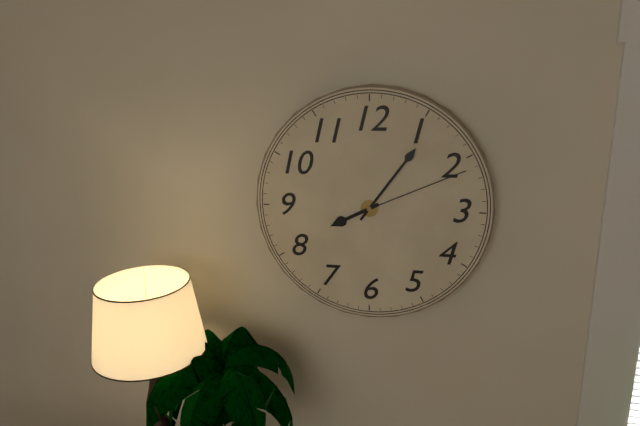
8:06:11
